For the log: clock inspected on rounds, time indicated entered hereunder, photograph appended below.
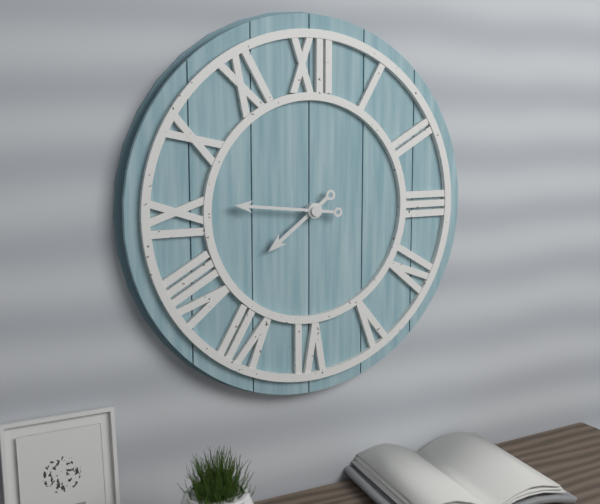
7:46
